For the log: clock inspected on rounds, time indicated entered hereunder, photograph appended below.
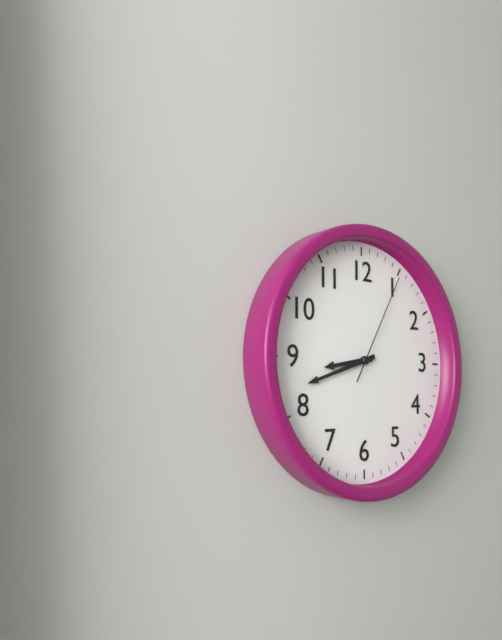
8:42:05
